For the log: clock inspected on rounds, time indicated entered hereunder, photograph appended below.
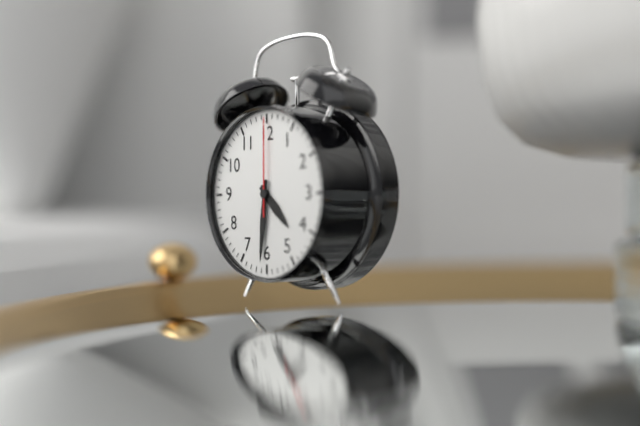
4:31:00
